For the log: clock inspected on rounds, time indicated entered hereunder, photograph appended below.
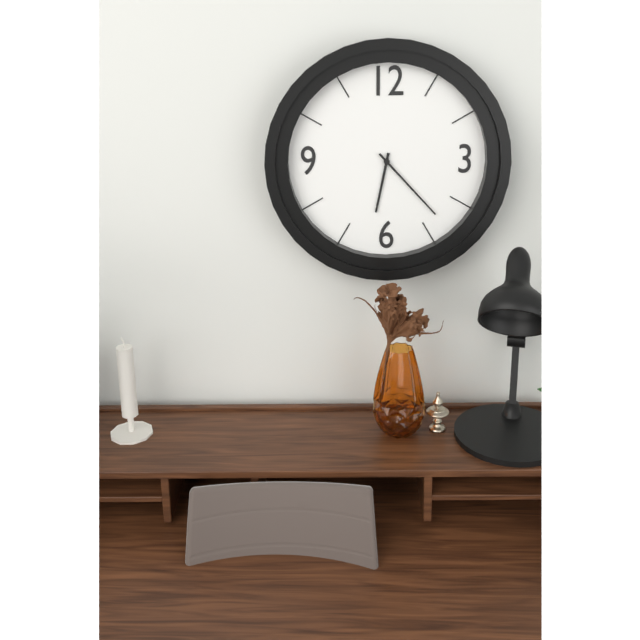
6:23
